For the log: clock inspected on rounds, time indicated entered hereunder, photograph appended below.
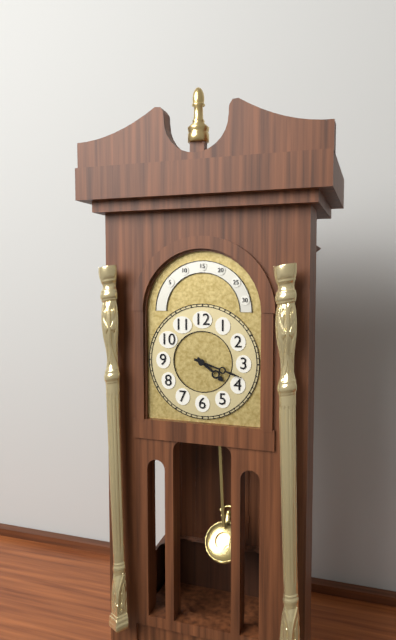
4:18
